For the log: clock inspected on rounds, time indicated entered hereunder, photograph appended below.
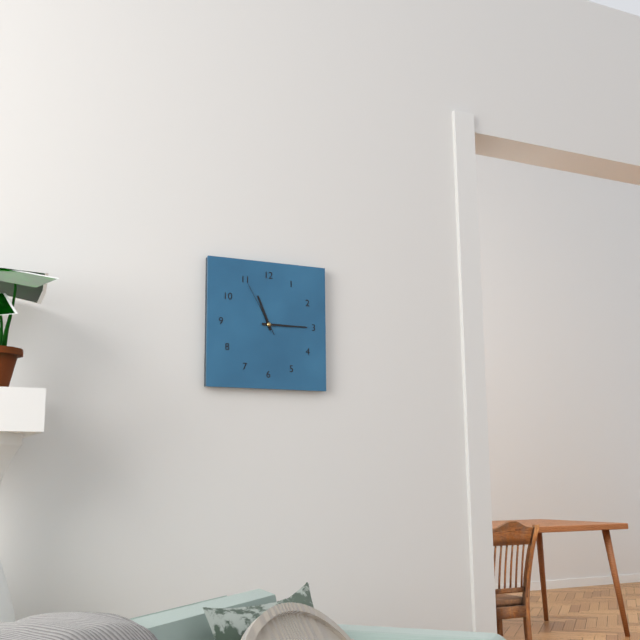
11:15:55
